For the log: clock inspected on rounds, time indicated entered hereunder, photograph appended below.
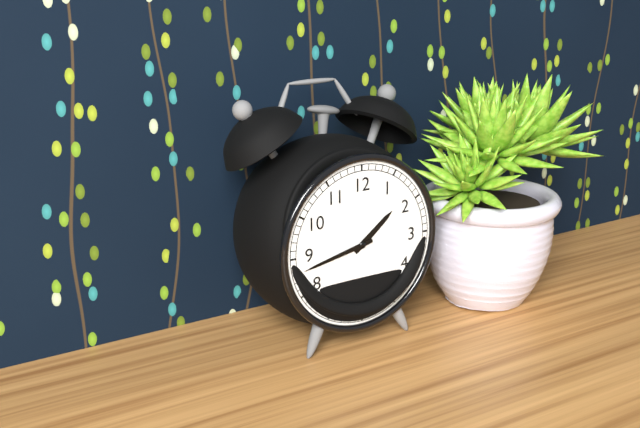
1:43
